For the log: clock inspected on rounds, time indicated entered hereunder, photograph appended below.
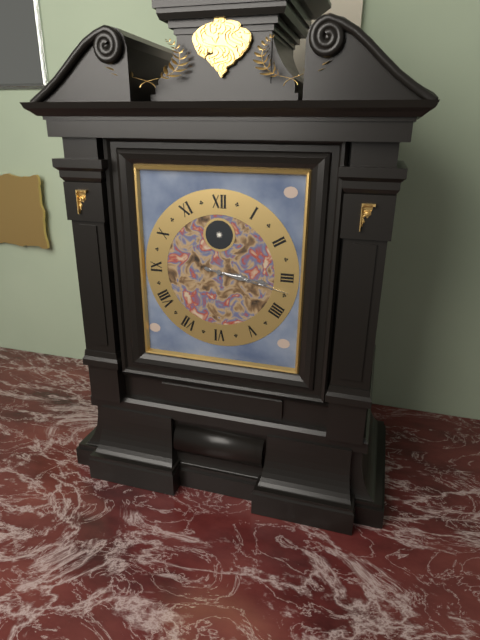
3:17
